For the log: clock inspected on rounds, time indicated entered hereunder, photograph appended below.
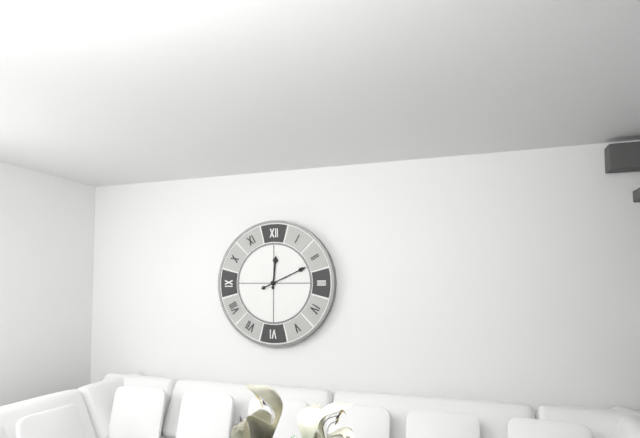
12:11
